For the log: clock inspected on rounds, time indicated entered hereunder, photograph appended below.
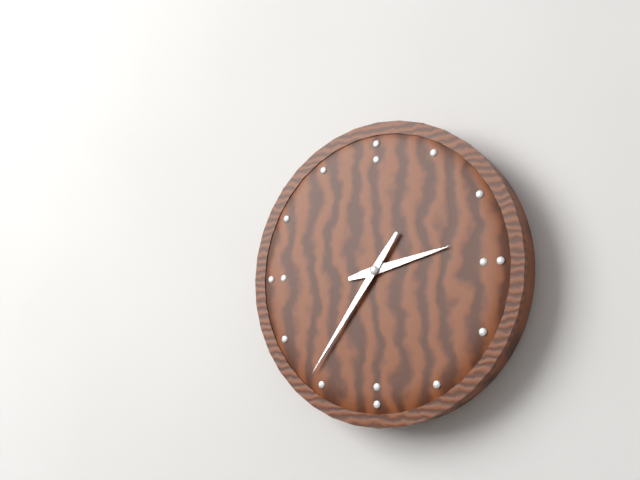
2:36
